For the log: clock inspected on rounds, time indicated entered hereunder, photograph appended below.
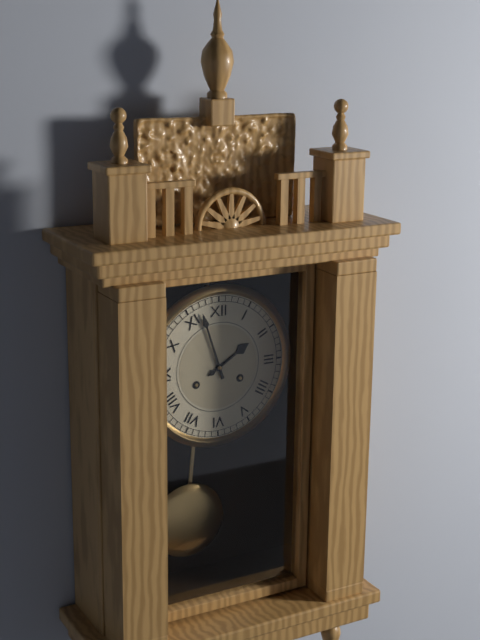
1:57
